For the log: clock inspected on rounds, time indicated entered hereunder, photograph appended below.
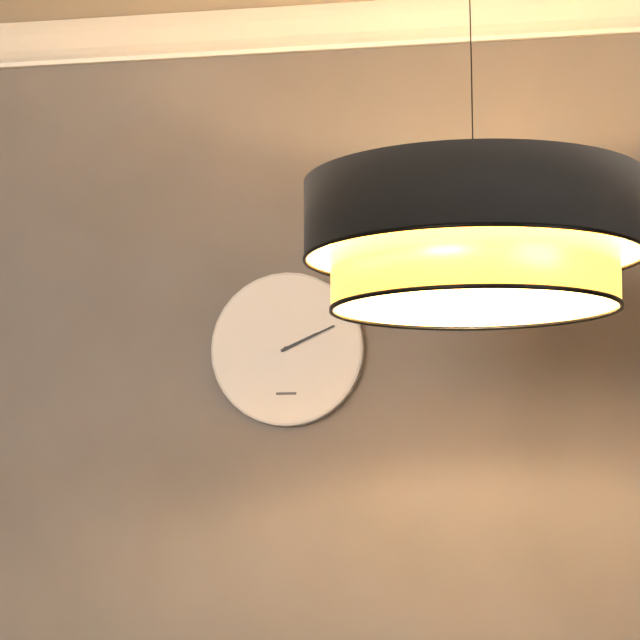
2:11
